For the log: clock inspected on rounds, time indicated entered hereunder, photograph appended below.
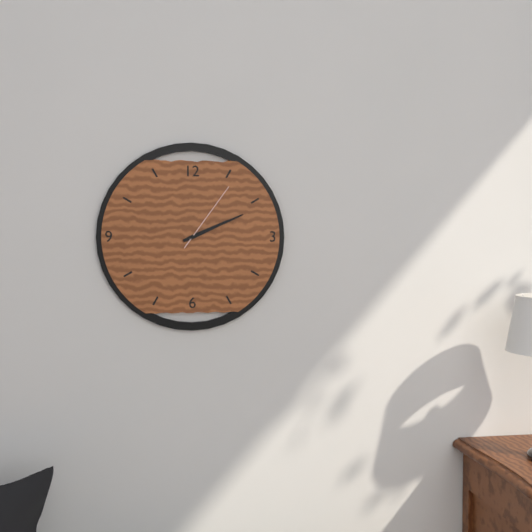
2:11:06
